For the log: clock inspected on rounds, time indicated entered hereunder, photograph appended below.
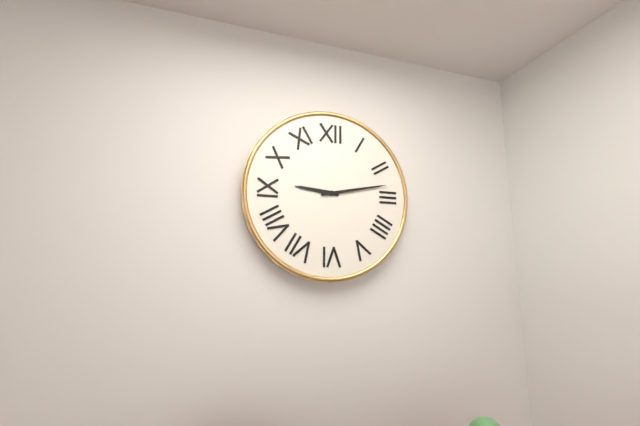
9:13
